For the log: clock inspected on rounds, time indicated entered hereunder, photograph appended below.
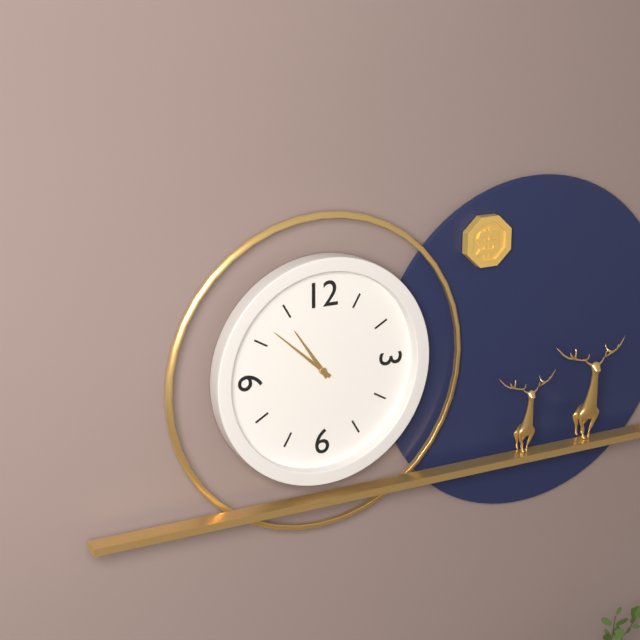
10:52
